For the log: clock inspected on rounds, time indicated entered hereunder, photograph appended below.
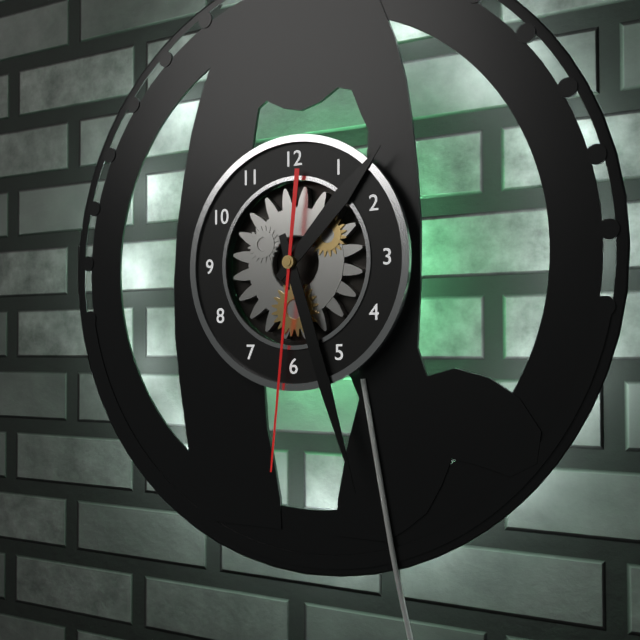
1:27:31
